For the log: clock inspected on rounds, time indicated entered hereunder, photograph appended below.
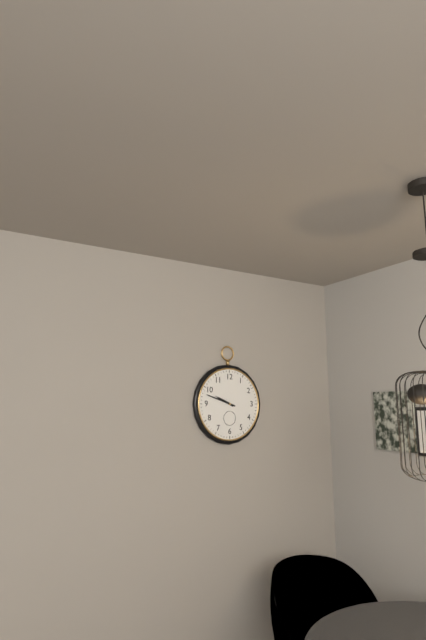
9:48
